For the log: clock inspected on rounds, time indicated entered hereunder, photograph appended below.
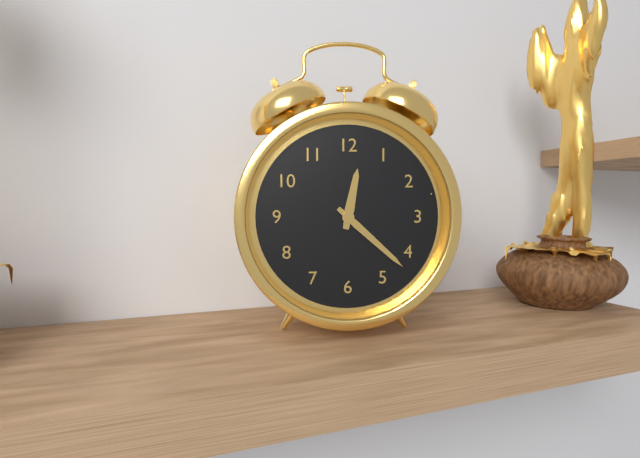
12:22
